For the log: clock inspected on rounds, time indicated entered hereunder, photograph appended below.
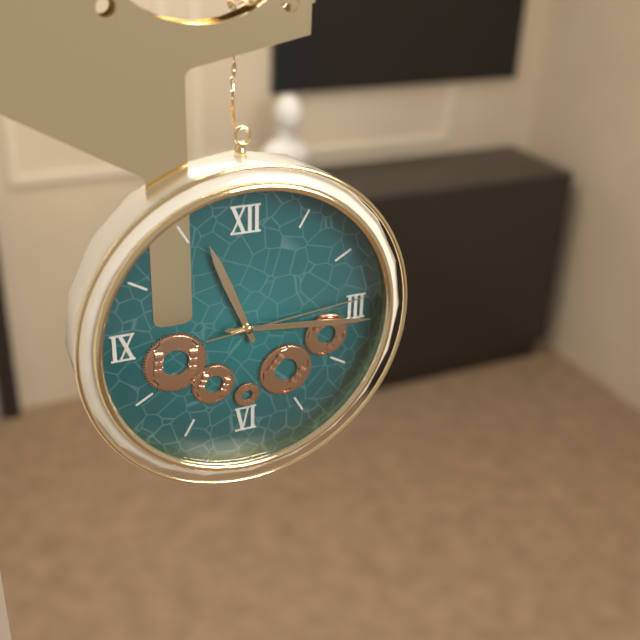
11:16:14
